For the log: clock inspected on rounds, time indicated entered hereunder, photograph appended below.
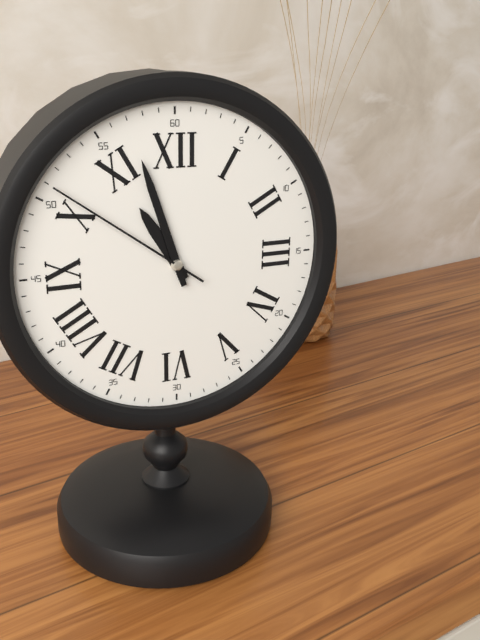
10:57:51
